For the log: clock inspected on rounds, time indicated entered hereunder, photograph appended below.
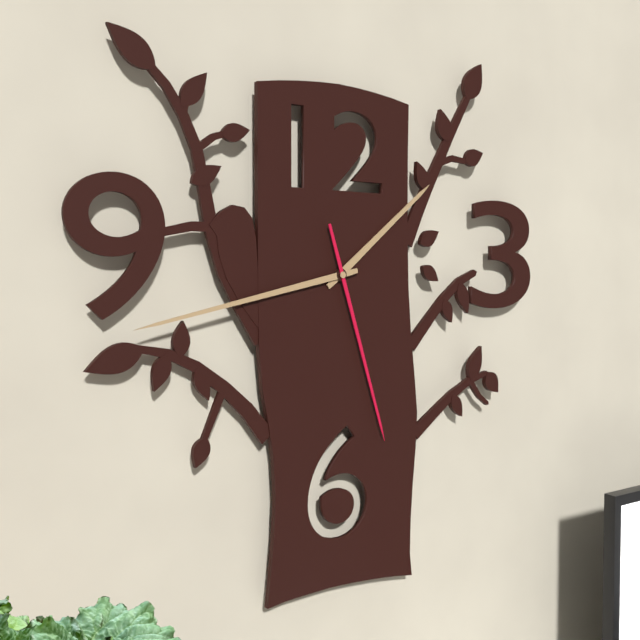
1:43:27
